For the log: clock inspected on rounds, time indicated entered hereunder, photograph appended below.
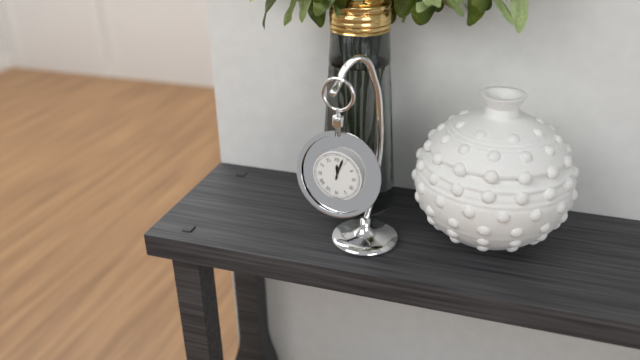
12:03
